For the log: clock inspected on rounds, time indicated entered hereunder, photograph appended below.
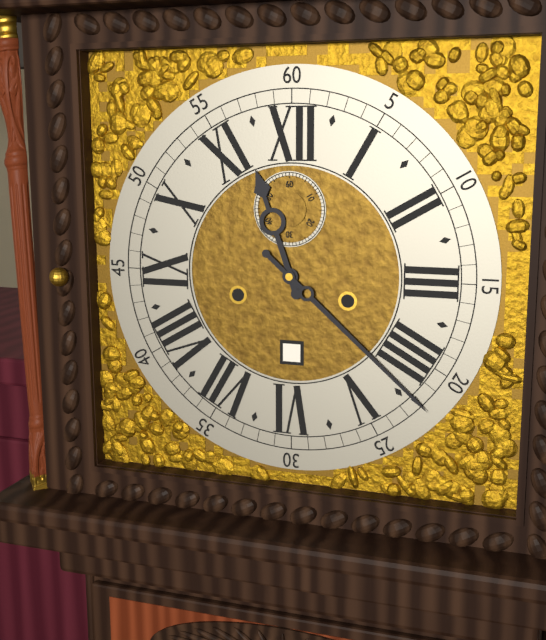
11:22
